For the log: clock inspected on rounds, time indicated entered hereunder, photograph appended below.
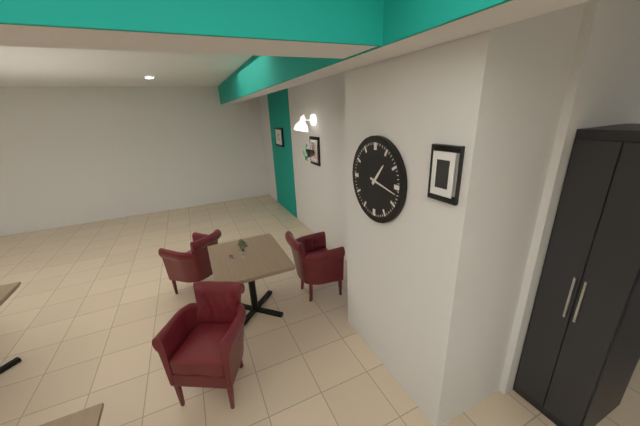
1:17
